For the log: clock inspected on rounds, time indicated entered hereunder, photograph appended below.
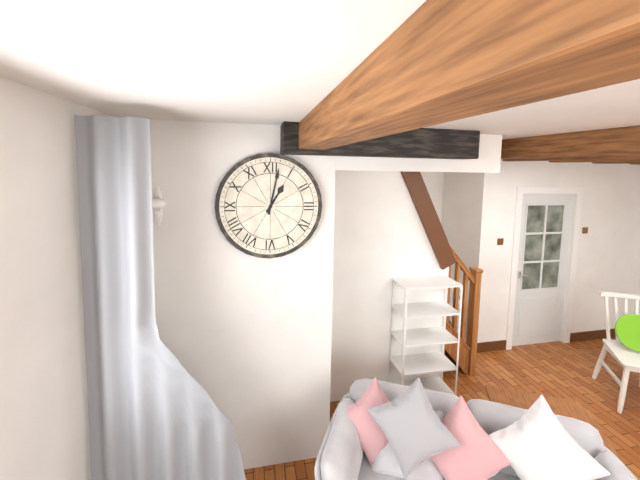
1:02
